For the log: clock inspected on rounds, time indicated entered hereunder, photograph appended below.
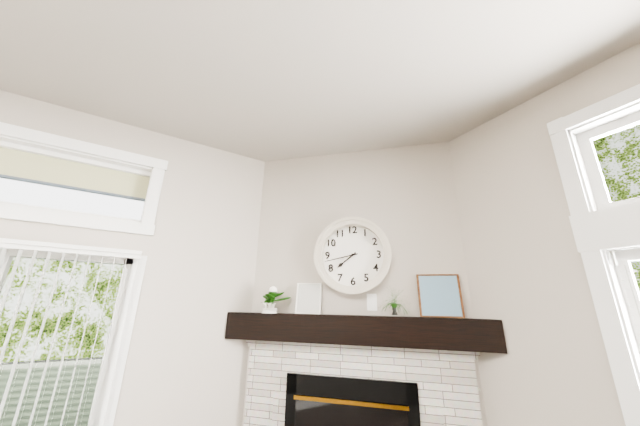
7:43
